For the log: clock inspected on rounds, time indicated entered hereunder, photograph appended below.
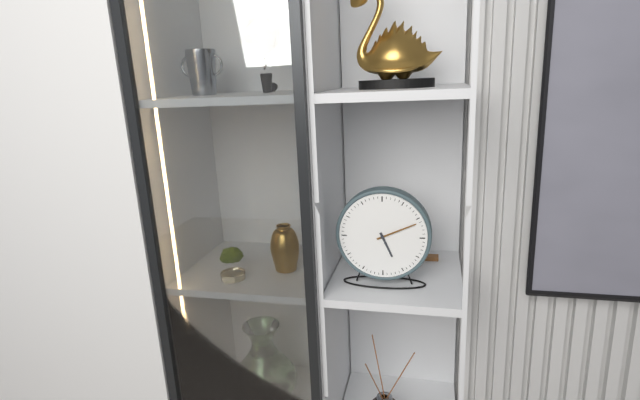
5:11
